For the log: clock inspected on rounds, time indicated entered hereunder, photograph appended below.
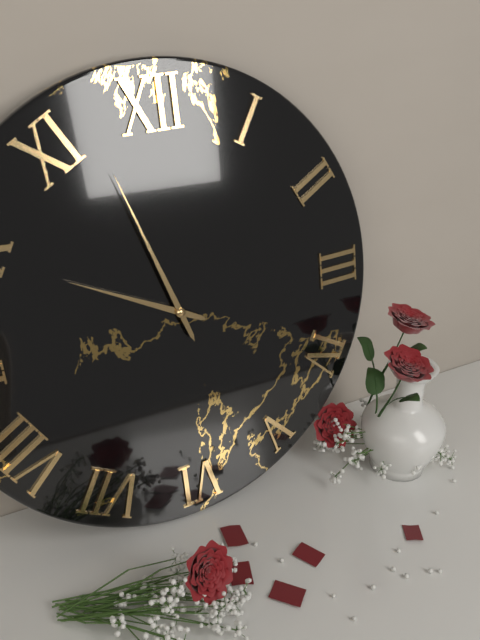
9:57
